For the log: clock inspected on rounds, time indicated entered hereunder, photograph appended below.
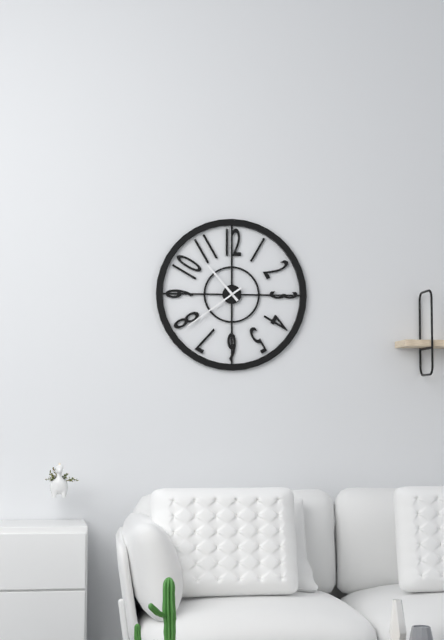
10:39
